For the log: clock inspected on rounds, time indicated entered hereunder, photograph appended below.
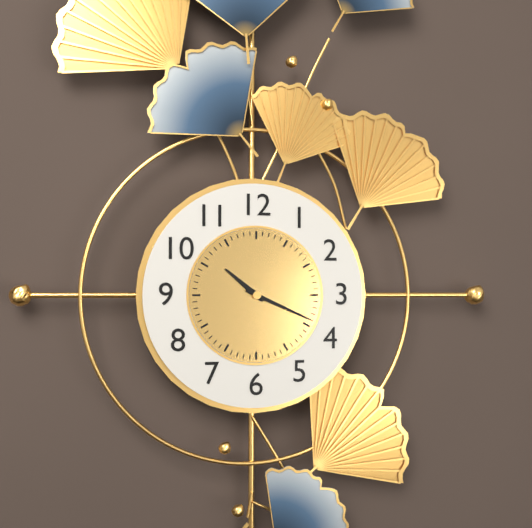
10:19
